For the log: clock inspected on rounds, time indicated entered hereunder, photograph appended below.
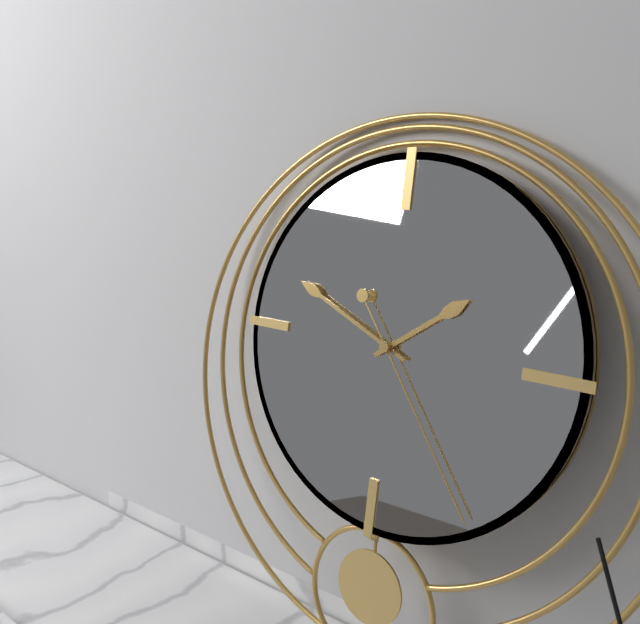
1:49:24
